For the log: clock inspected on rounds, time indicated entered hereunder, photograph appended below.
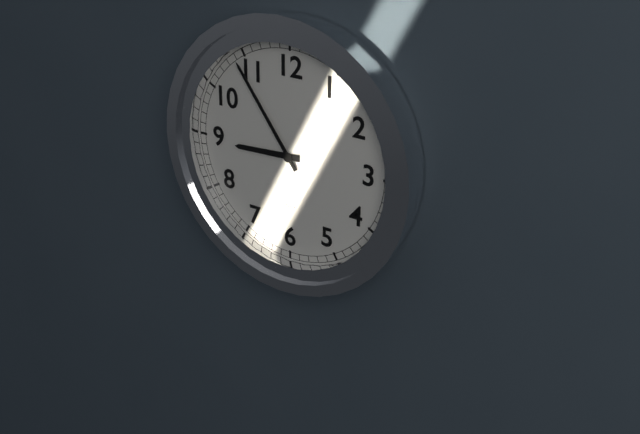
8:54
